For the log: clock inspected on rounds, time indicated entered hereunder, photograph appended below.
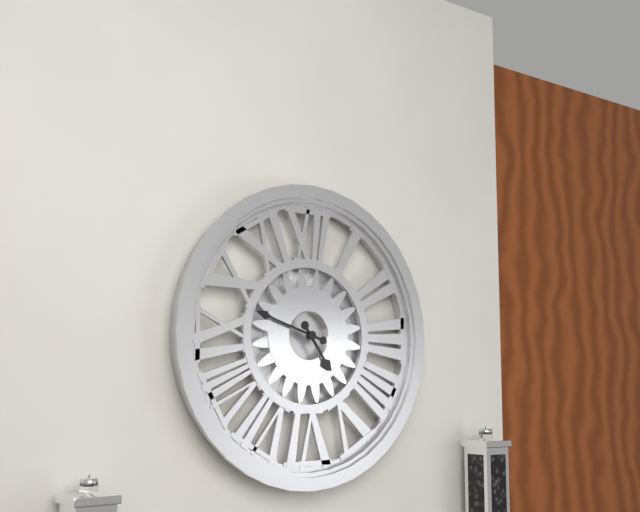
4:48
